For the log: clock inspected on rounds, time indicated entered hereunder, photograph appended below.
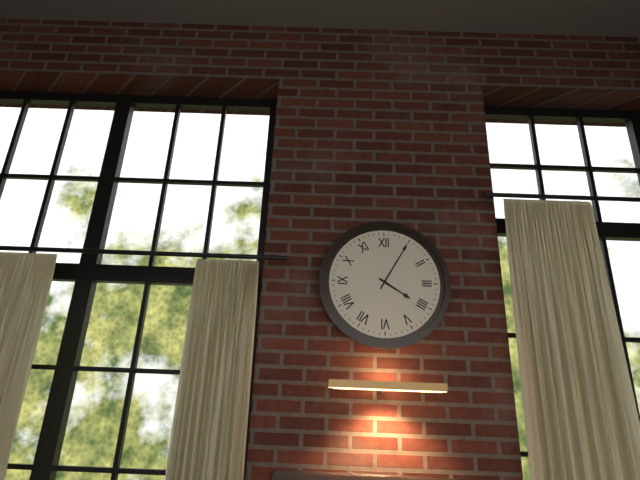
4:05
